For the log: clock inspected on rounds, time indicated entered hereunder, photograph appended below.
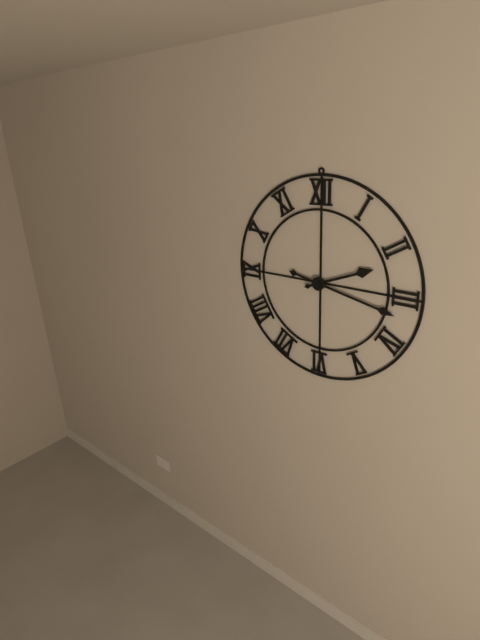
2:17
